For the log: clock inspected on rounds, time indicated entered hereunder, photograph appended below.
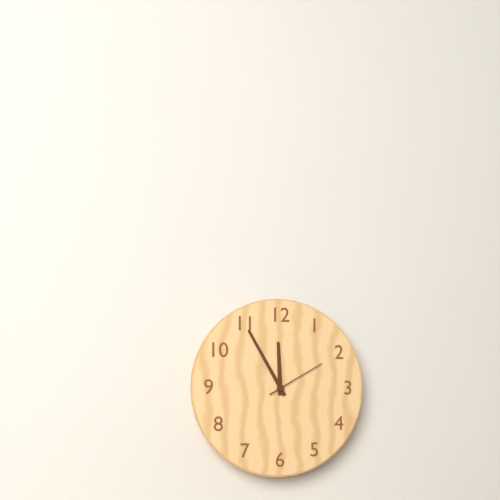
11:55:10
